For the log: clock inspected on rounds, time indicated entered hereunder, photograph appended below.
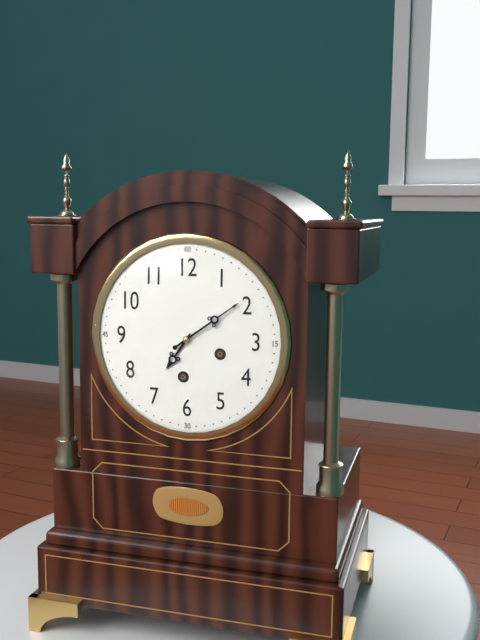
7:09
